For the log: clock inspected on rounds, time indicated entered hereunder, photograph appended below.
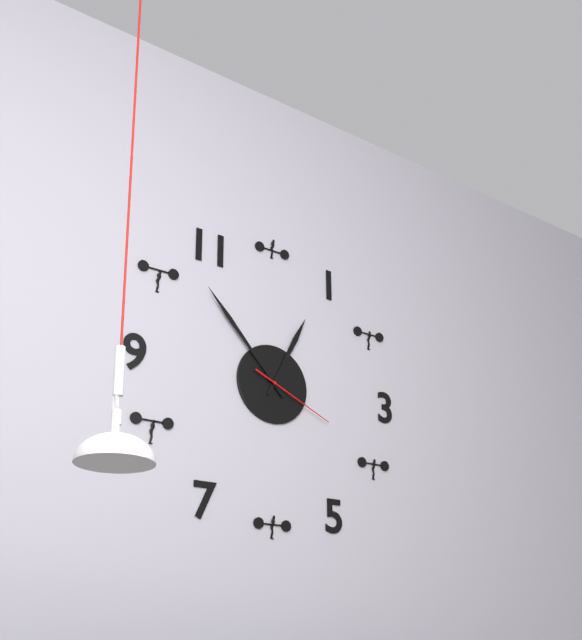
12:53:19
